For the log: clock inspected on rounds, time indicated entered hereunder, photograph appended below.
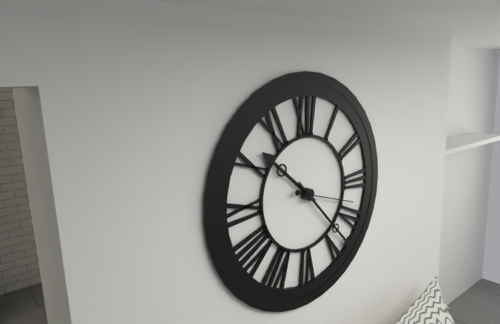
10:23:18
